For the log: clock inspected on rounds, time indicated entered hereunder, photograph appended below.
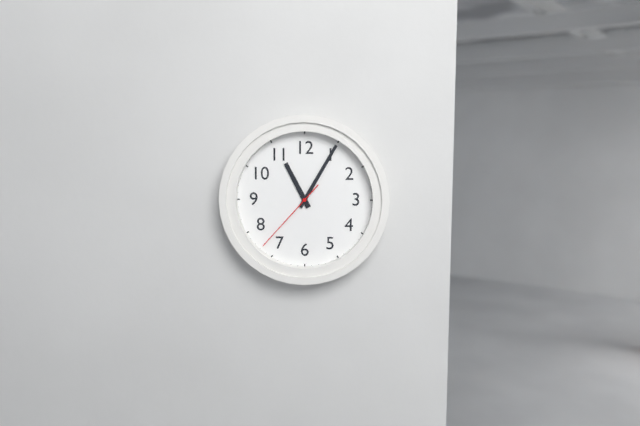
11:05:37
